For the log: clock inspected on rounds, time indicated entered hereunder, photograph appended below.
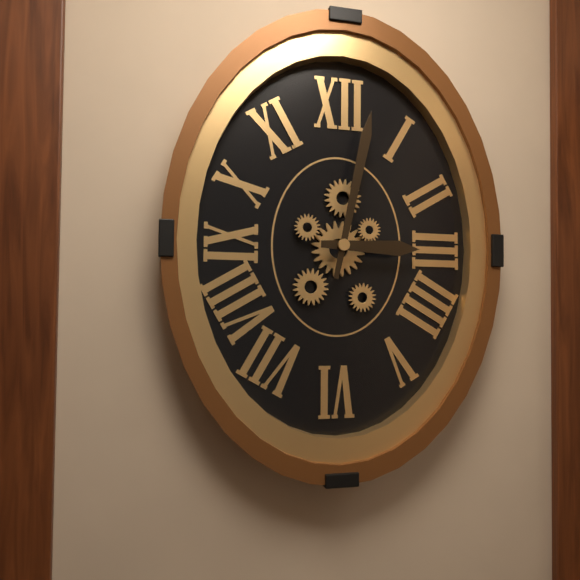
3:02
